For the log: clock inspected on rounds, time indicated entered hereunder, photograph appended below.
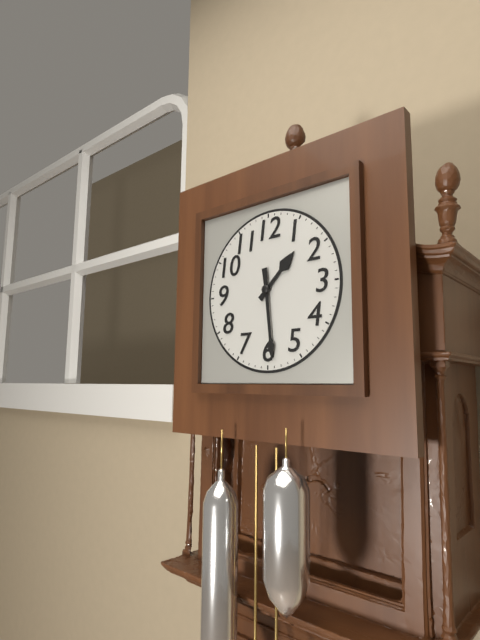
1:29
